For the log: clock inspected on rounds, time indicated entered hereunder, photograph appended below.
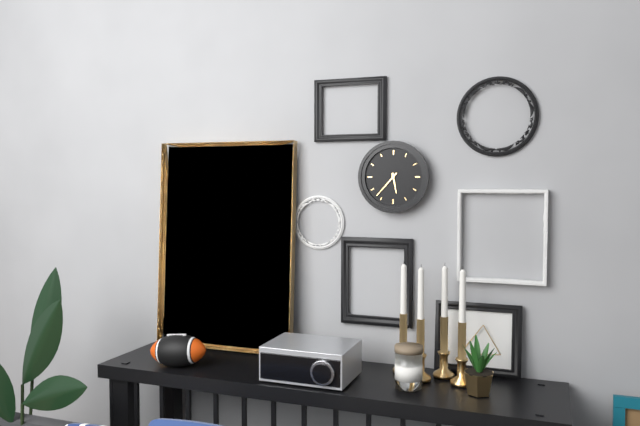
5:37
